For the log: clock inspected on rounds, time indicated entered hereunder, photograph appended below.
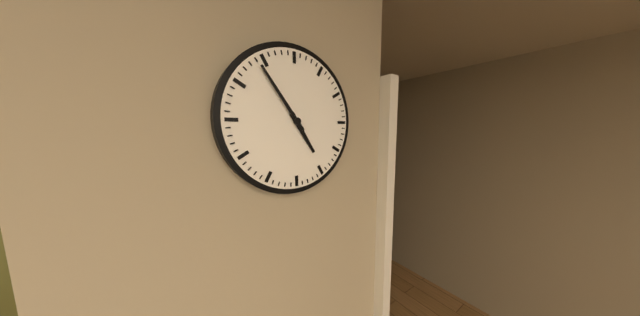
4:54
